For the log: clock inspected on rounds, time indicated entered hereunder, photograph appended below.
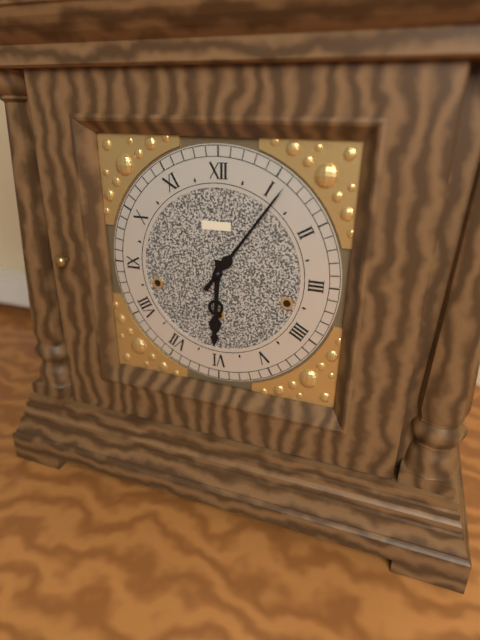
6:06
